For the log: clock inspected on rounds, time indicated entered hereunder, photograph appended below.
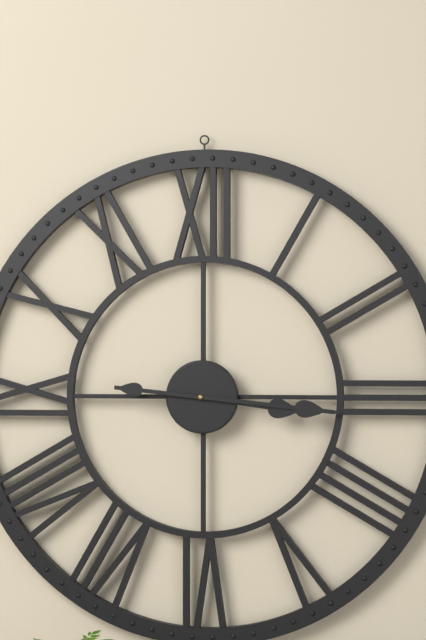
3:16
